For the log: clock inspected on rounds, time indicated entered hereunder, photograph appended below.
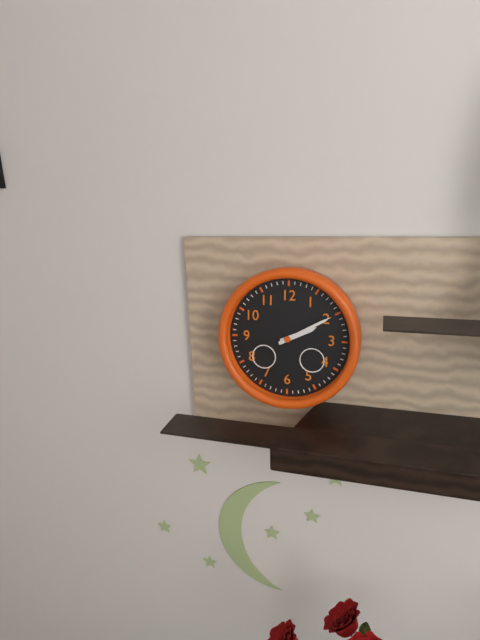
2:10
